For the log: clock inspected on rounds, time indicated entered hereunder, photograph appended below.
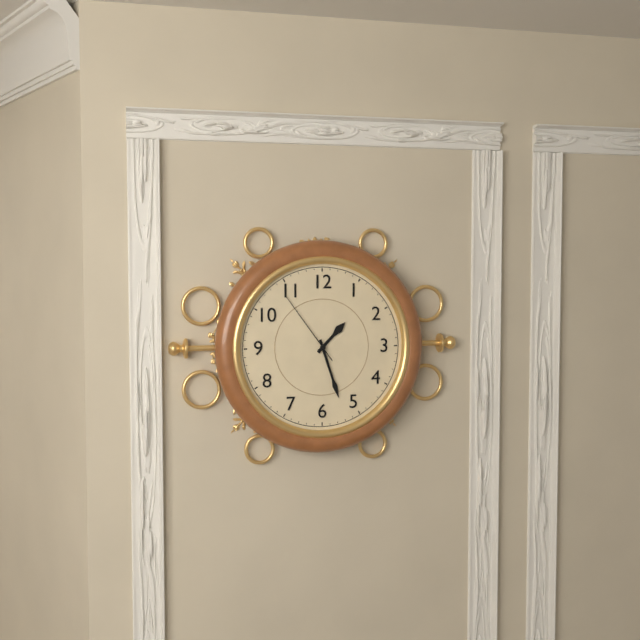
1:27:54
